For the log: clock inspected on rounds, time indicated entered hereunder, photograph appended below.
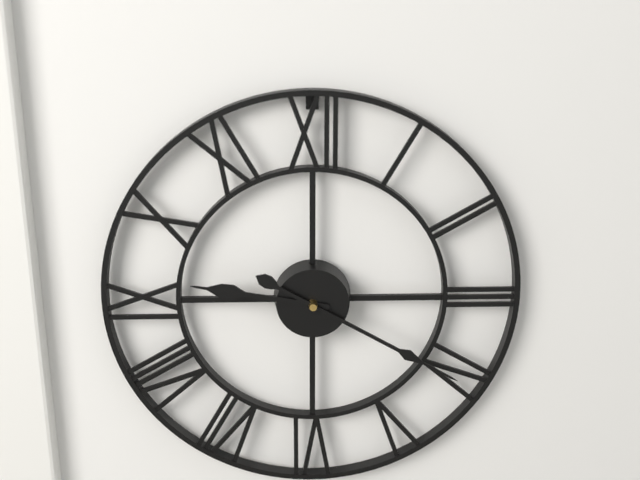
9:20
